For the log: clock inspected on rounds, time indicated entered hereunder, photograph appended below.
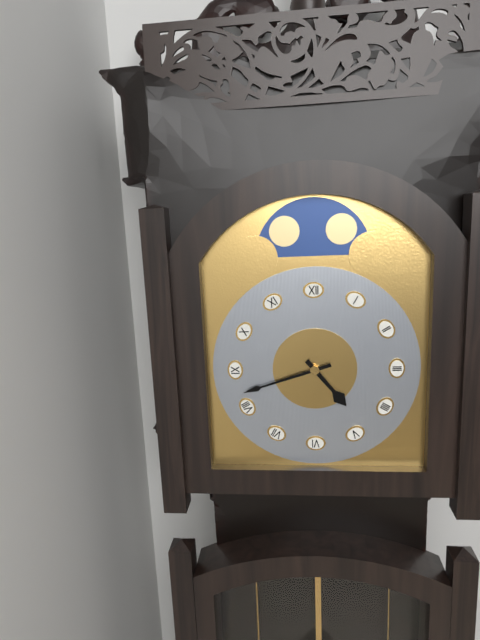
4:42
